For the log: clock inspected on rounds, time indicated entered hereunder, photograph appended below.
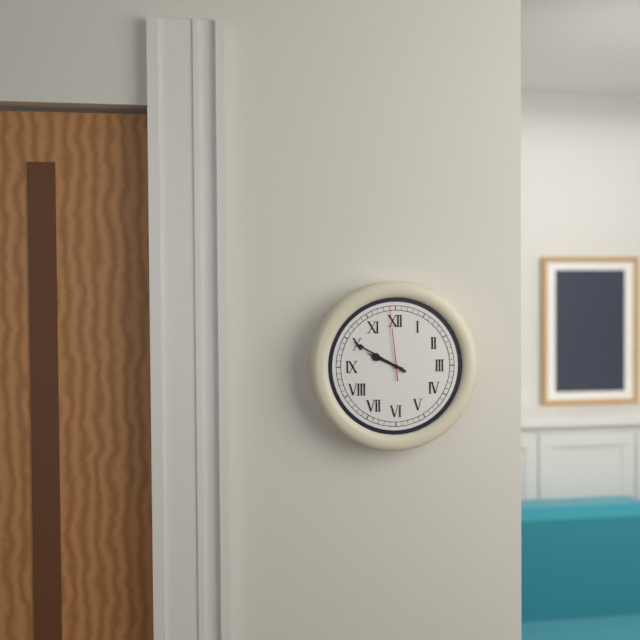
9:50:59
